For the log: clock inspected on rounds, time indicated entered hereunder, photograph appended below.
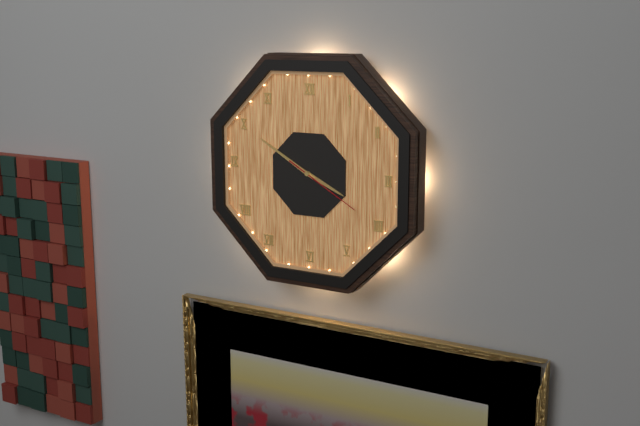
3:50:20
